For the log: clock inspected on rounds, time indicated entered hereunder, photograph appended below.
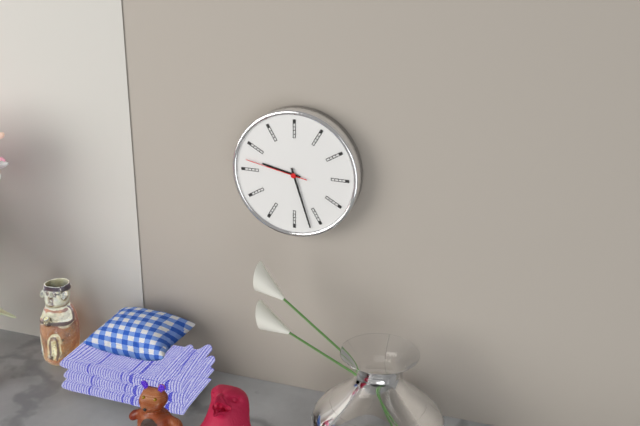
9:27:47
